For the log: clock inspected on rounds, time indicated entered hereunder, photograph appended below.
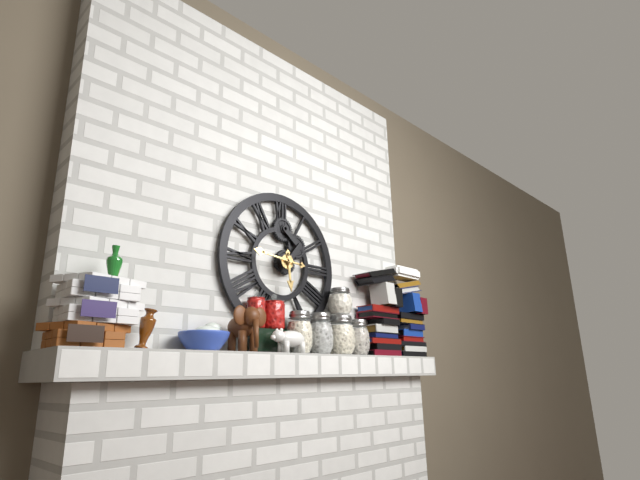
5:46
